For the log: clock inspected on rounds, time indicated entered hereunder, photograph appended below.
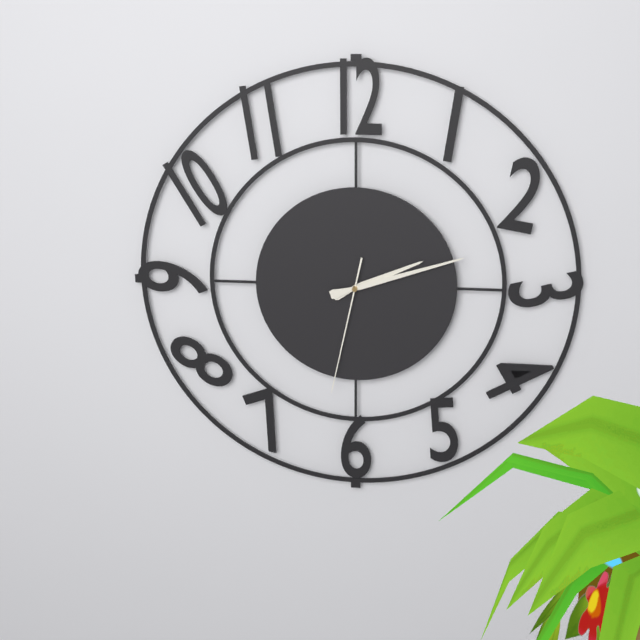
2:12:32
